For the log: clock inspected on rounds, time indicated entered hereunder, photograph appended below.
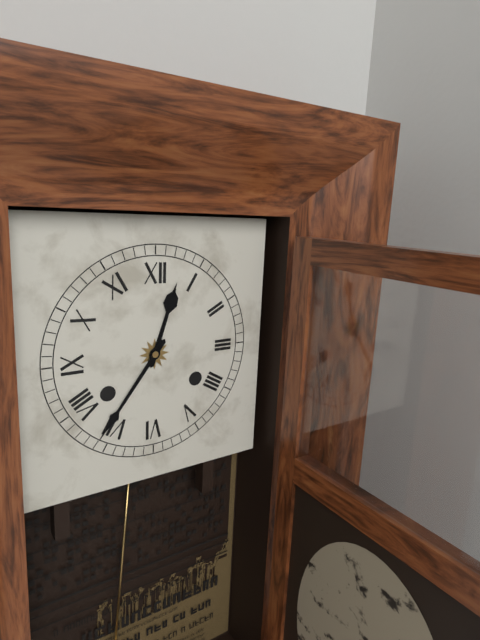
12:36
